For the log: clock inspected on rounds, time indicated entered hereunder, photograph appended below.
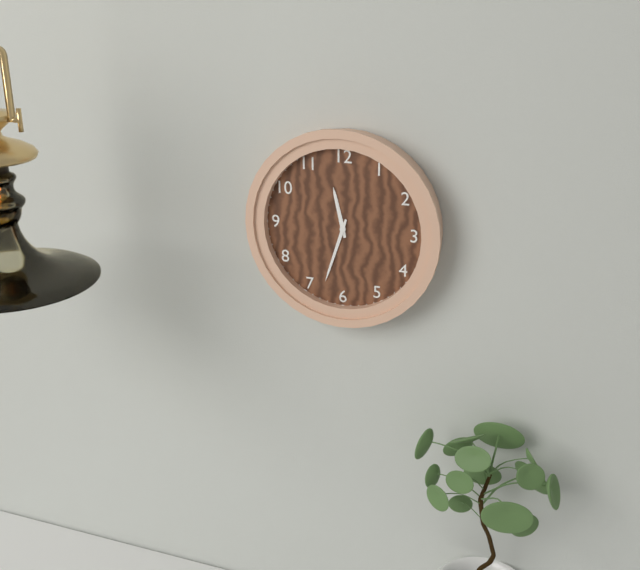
11:33
